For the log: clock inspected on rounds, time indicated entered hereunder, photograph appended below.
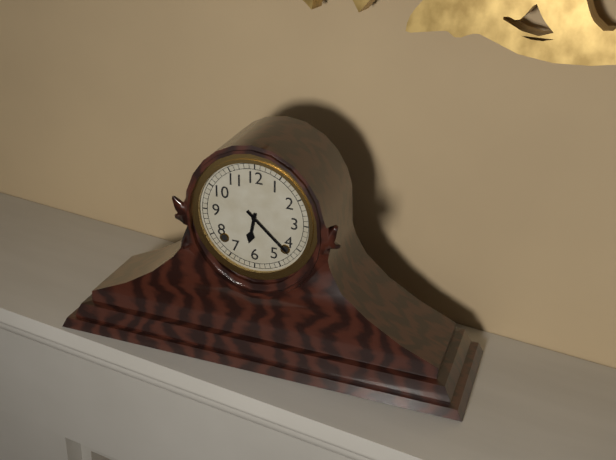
6:22
